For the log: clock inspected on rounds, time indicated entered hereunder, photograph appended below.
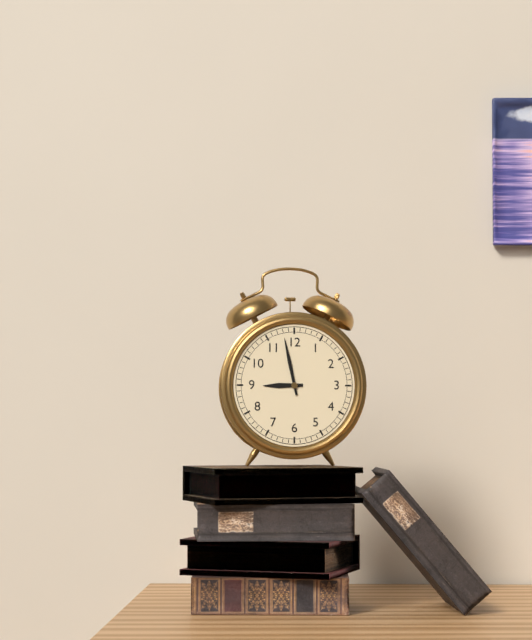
8:58
